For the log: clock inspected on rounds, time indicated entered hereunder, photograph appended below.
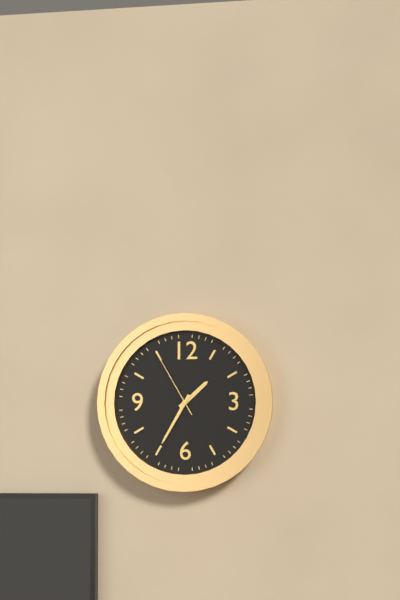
1:35:55
